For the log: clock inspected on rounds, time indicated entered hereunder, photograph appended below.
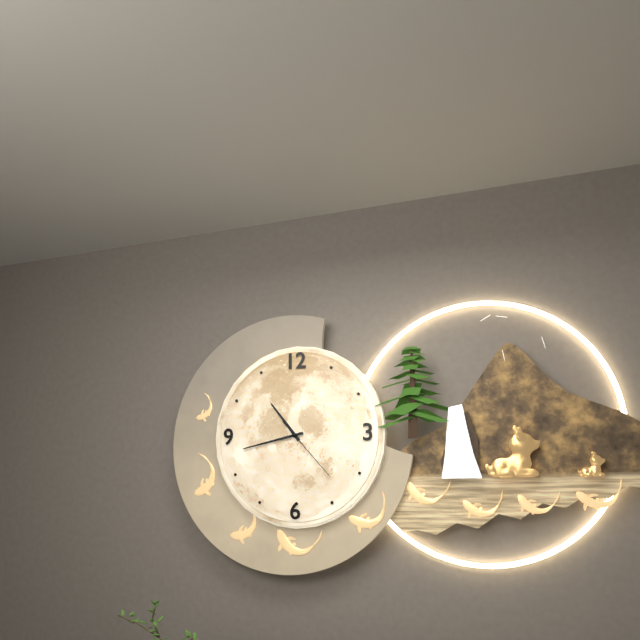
10:43:23
